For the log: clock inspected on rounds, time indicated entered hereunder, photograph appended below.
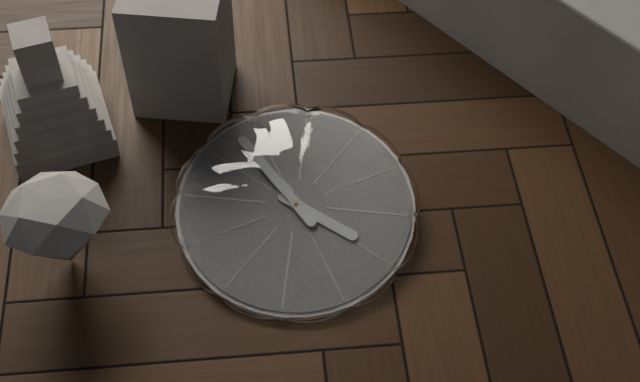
3:53
